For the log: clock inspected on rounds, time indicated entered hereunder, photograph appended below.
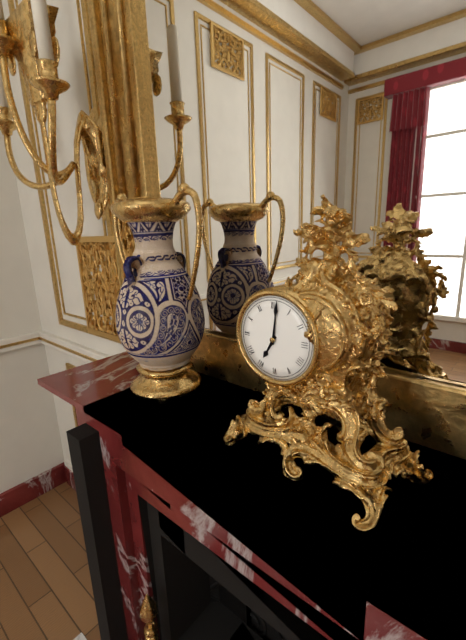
7:01
